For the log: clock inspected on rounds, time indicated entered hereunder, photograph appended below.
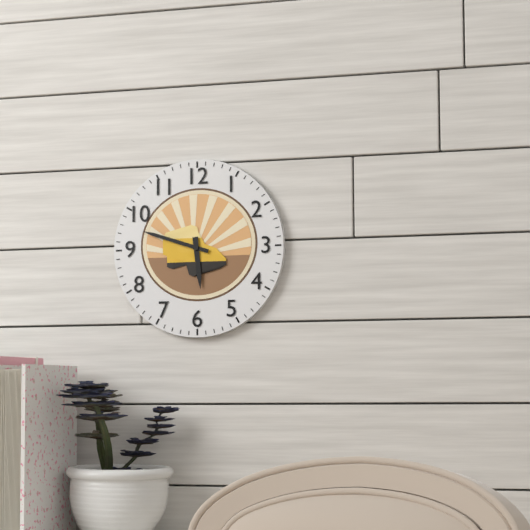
5:48
